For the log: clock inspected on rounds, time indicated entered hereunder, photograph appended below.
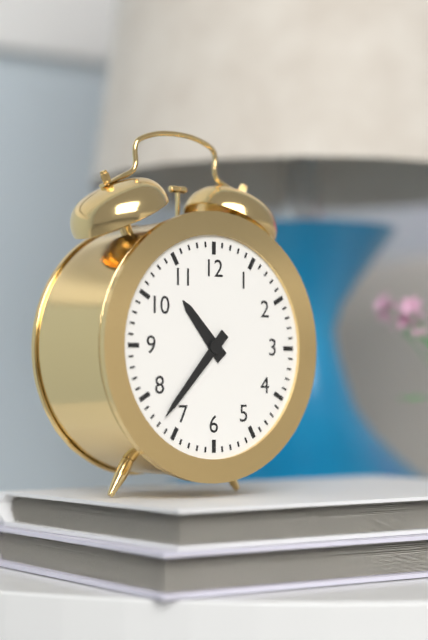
10:37
